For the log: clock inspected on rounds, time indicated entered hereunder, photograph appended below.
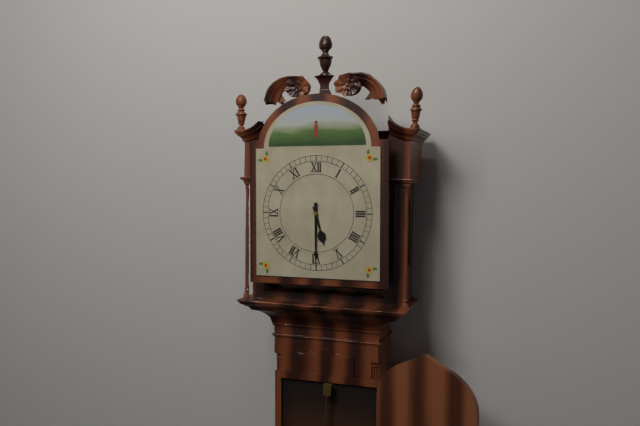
5:30
